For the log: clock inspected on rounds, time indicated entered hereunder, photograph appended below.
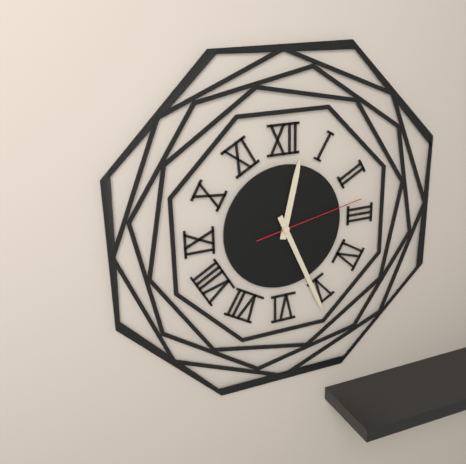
12:26:13
